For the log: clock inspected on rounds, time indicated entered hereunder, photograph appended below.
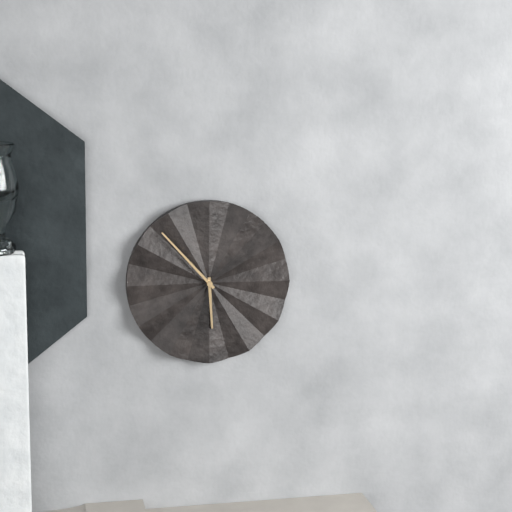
5:53
